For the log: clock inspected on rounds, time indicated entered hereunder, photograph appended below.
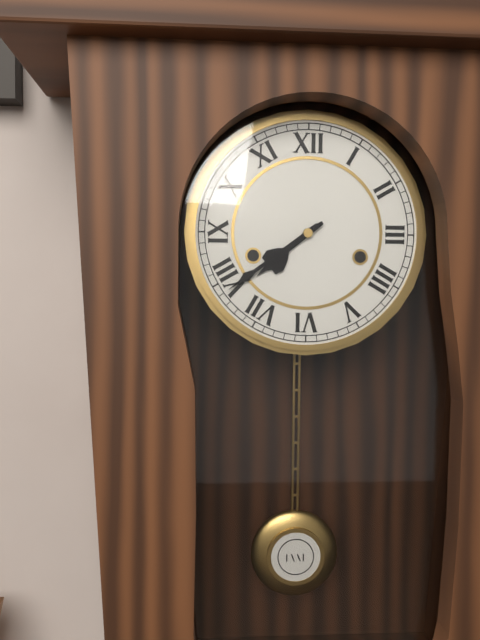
7:39
